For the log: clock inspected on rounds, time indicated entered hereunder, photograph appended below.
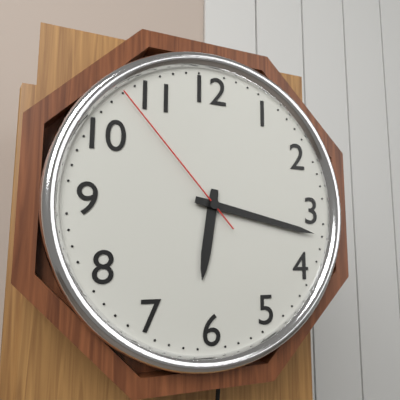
6:17:53
